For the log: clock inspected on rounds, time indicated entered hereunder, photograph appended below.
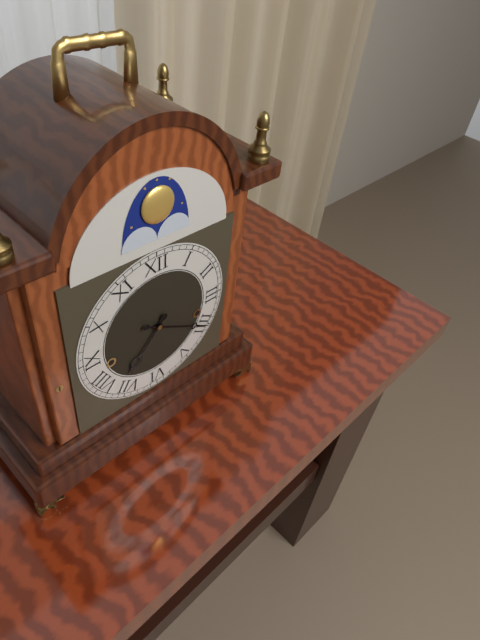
7:20
